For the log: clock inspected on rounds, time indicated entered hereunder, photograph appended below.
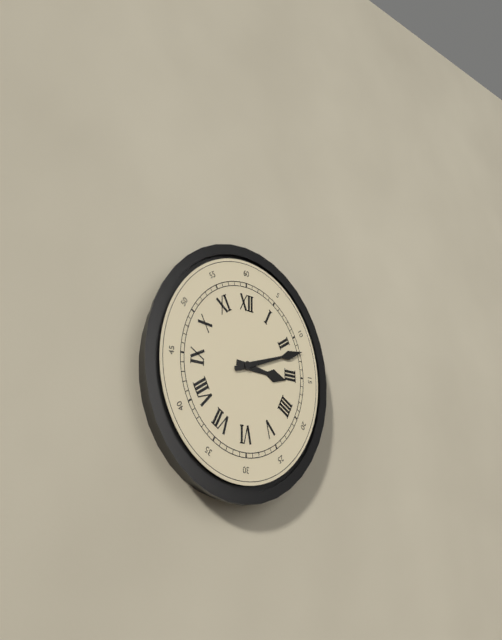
3:12
